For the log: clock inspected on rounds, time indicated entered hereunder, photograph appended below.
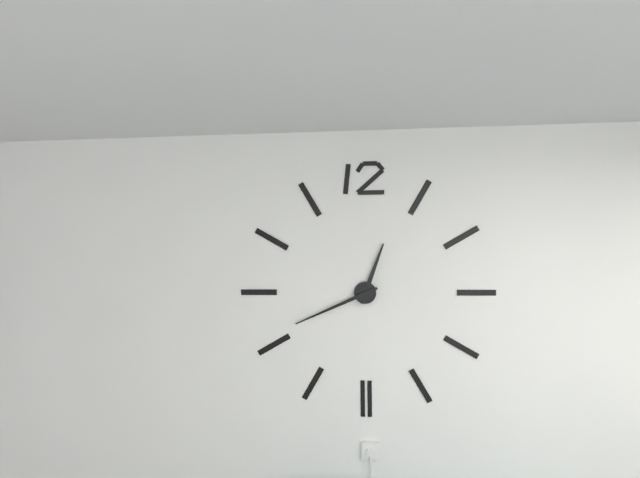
12:41
